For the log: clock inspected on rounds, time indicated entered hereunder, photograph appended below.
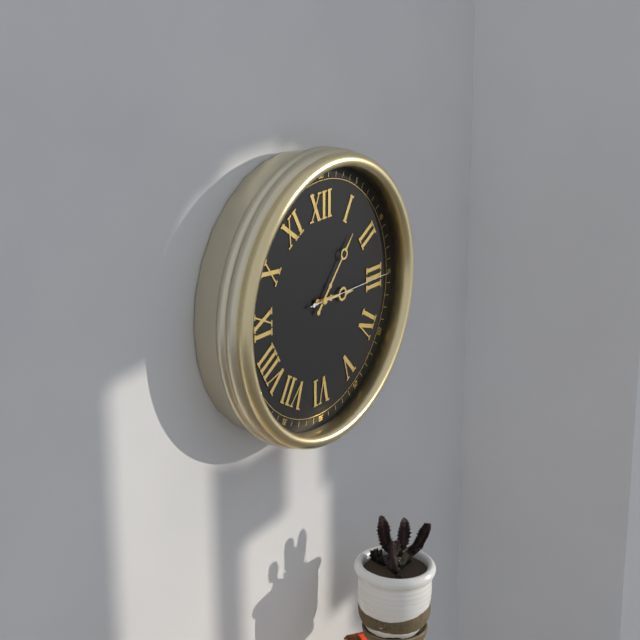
3:07:15
